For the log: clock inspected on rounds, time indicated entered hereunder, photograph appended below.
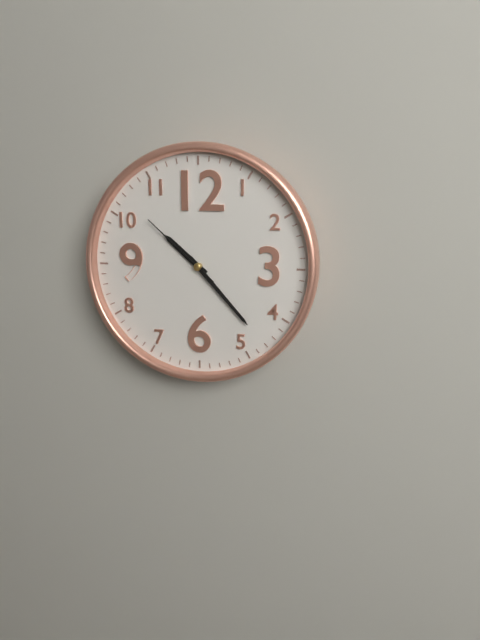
10:23:52
